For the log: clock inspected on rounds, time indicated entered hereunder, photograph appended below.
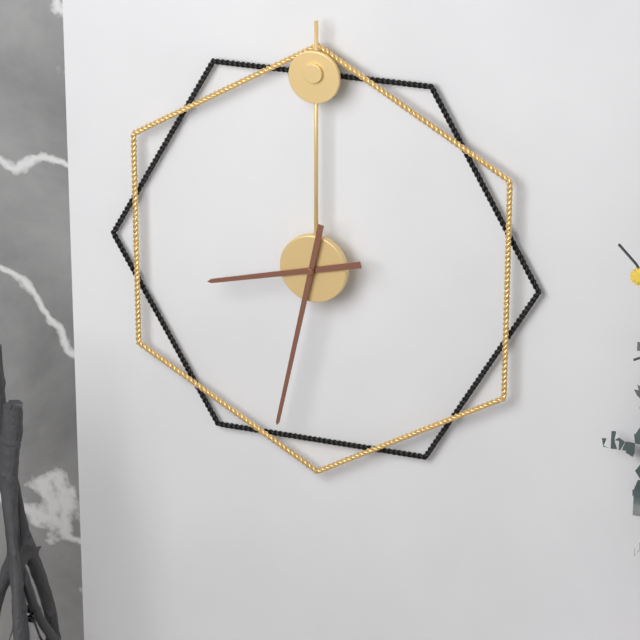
8:32
